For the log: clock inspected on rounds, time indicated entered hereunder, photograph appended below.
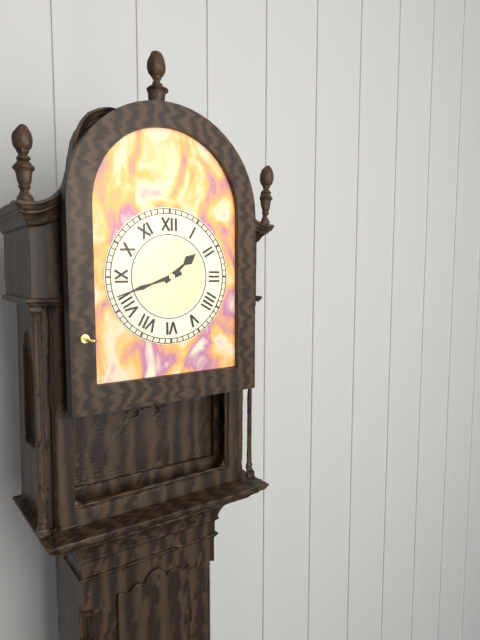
1:42
